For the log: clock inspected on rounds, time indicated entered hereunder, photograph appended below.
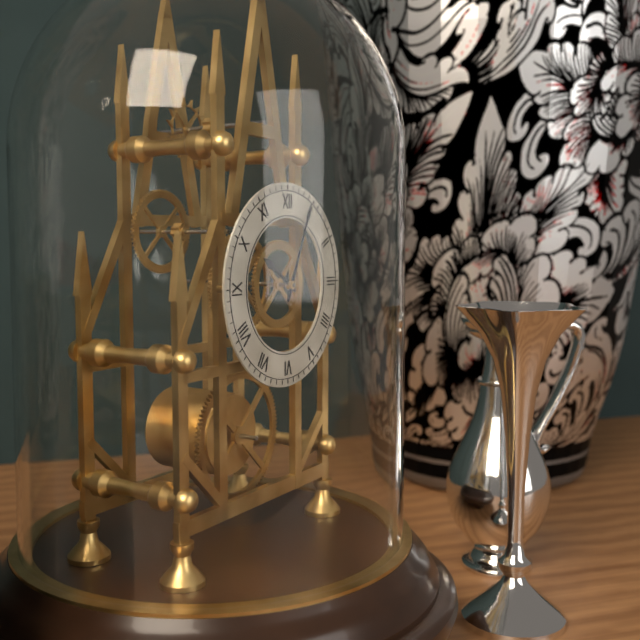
10:04
